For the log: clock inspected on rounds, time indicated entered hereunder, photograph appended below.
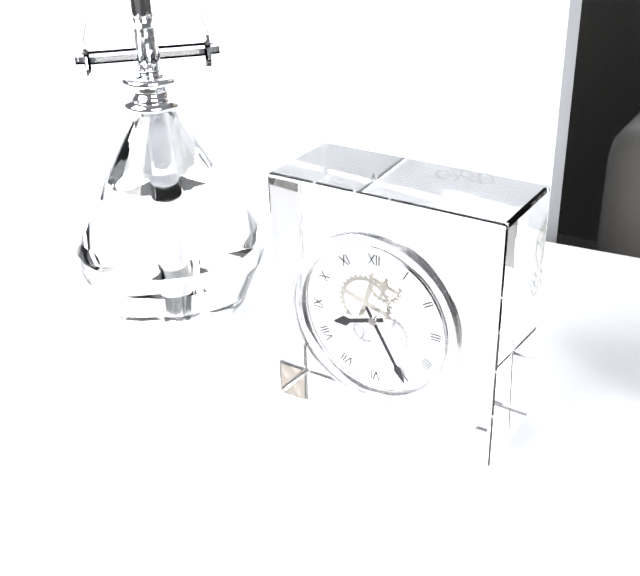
8:25
